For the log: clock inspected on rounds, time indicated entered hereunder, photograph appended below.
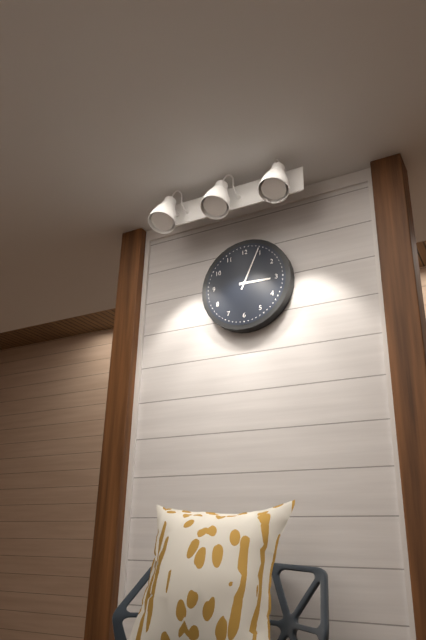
3:04
